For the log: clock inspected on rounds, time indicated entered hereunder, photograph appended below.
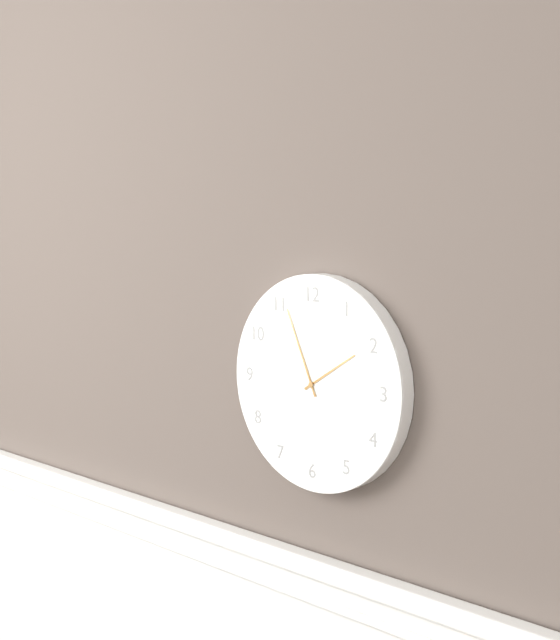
1:56
